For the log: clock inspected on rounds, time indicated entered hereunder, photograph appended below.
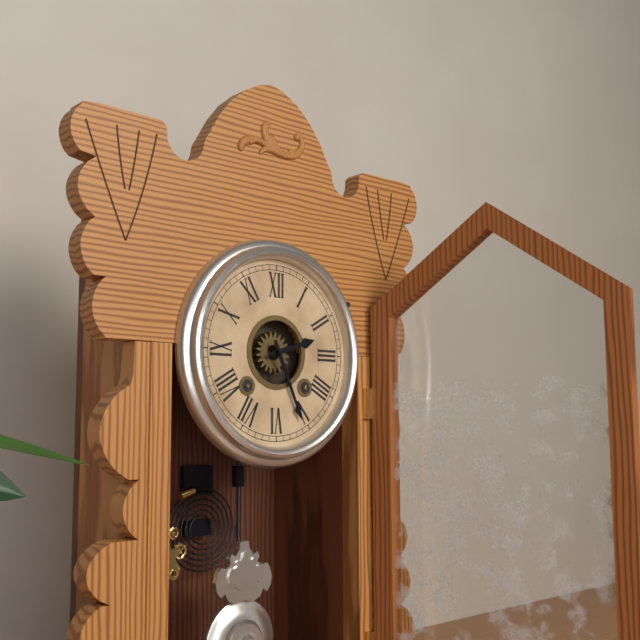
2:26
